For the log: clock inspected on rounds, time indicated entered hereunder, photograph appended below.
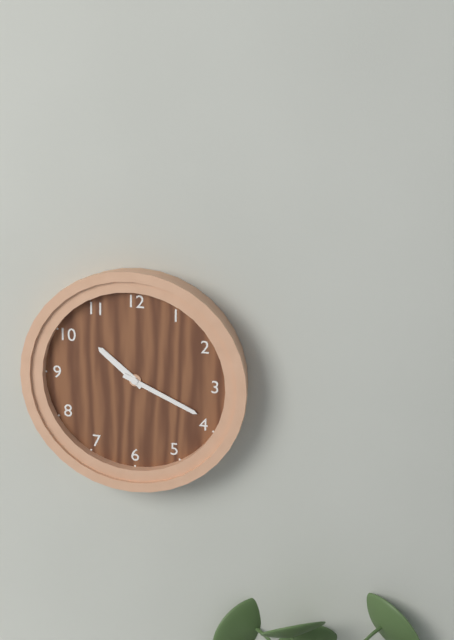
10:19
